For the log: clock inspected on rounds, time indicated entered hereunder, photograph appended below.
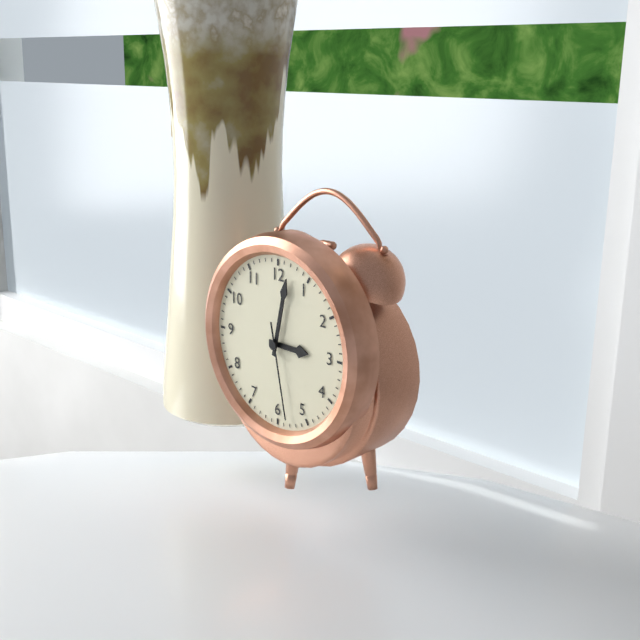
3:02:28
